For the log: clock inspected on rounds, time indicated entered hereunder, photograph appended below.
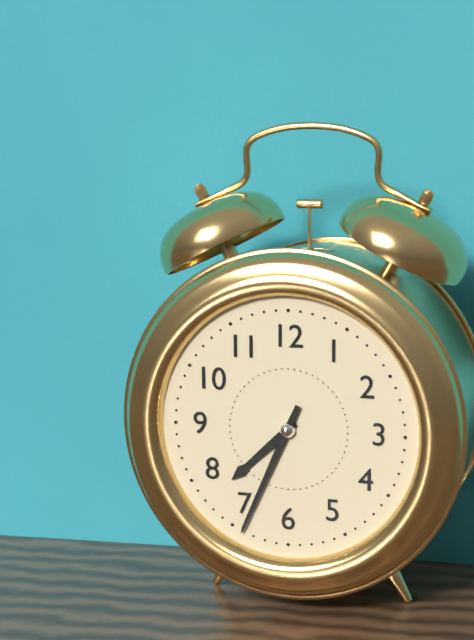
7:34
